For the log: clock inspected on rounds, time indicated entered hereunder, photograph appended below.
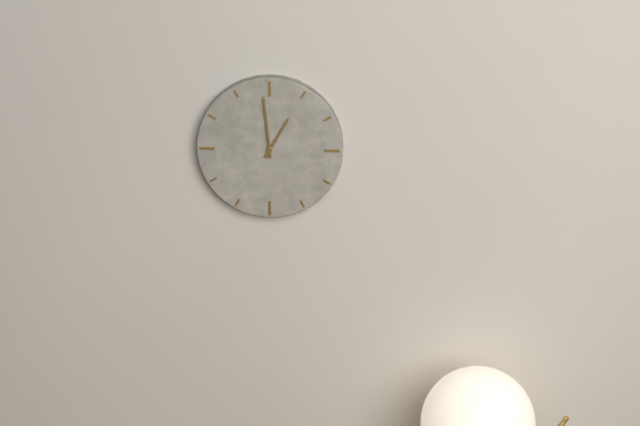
12:59
